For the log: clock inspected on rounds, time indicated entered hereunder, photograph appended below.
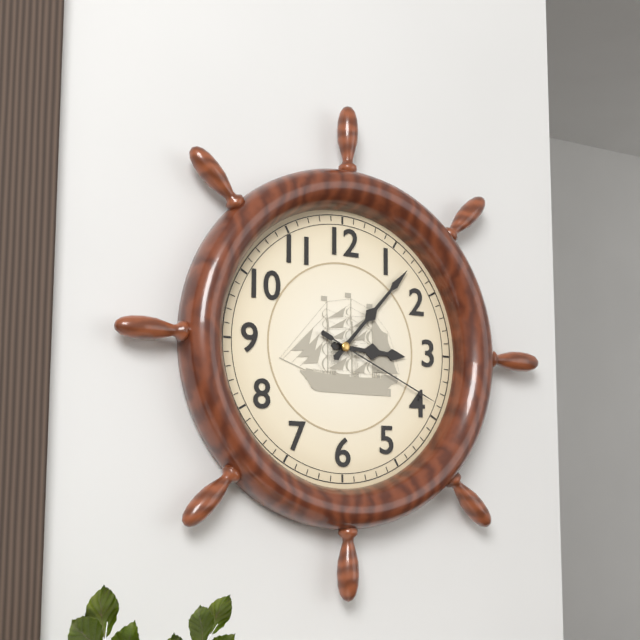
3:07:19
